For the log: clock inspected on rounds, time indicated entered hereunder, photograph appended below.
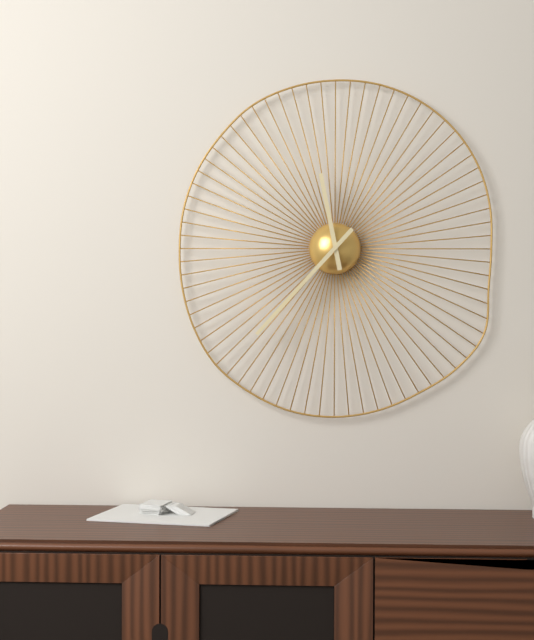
11:37
